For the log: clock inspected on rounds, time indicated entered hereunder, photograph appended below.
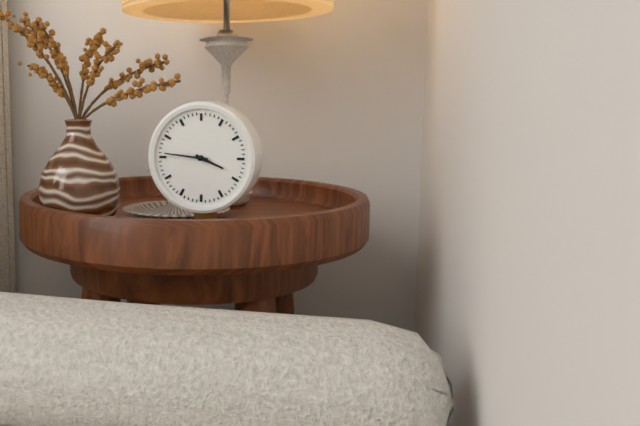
3:46
